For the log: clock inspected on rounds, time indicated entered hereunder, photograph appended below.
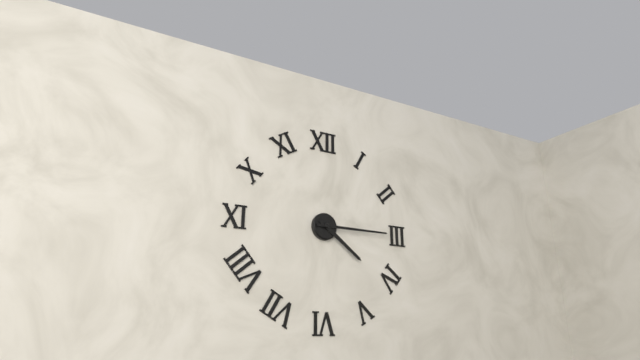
4:15
